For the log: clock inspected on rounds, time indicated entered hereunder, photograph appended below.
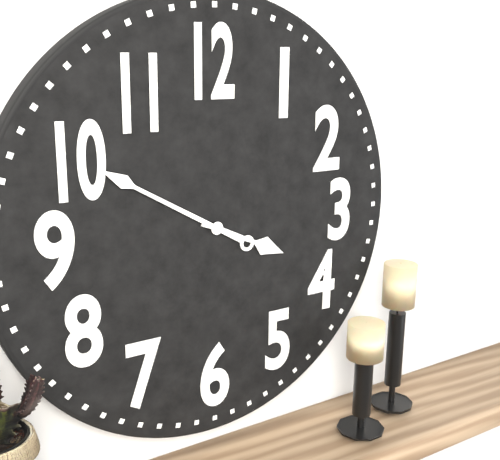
3:50
